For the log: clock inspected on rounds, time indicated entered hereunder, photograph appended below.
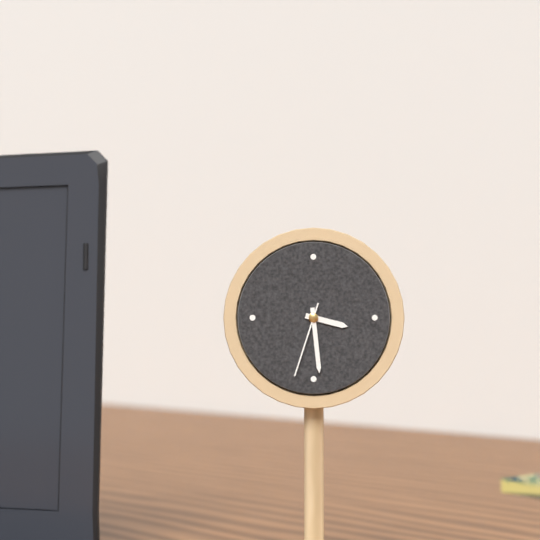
3:29:33
